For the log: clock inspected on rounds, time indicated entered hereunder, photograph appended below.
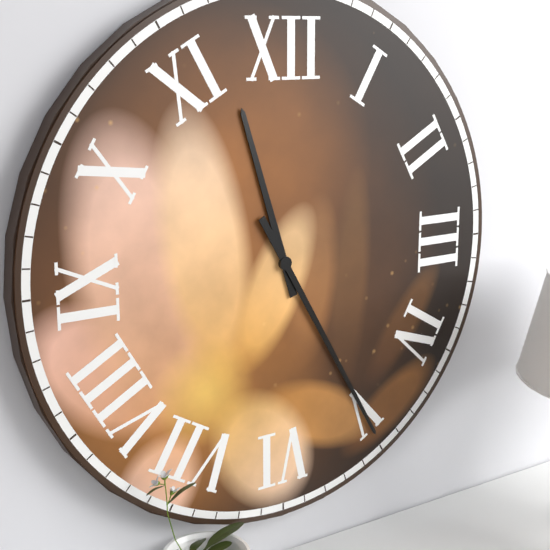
11:25
